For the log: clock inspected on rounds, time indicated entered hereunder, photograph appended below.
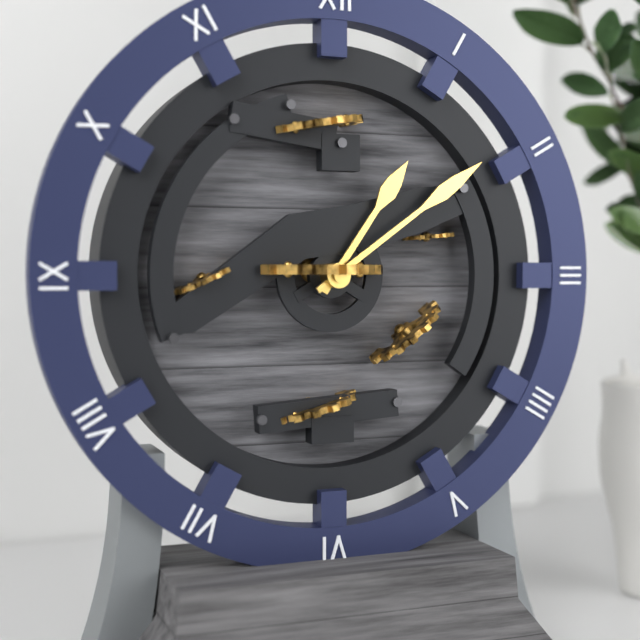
1:09
